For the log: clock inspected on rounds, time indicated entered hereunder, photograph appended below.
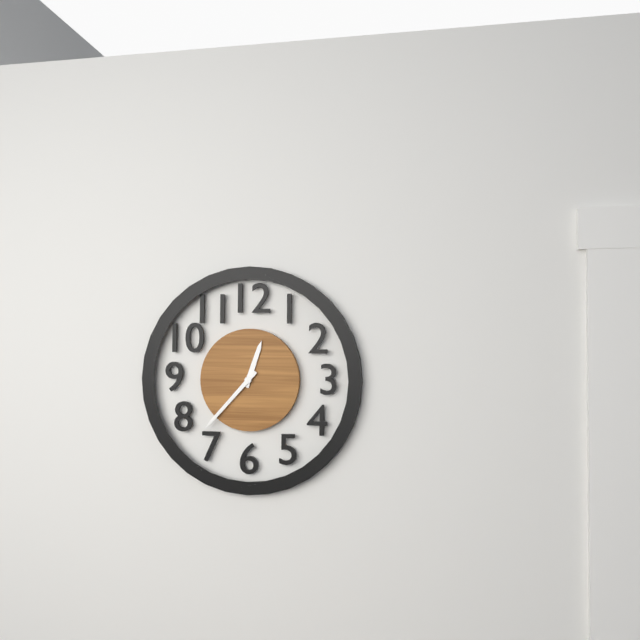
12:37
